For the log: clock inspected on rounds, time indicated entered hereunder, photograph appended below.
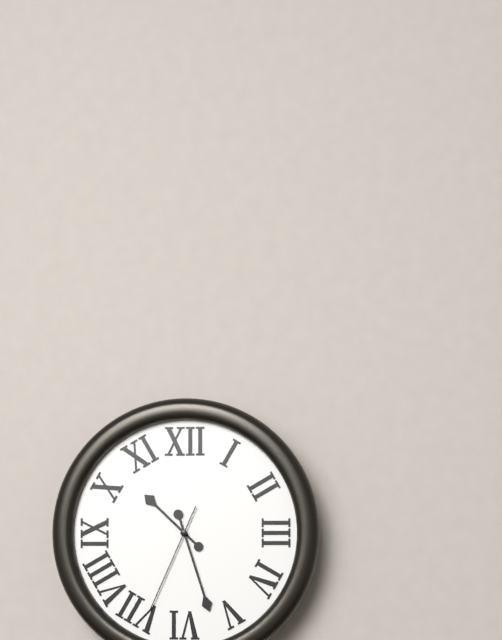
10:27:34
